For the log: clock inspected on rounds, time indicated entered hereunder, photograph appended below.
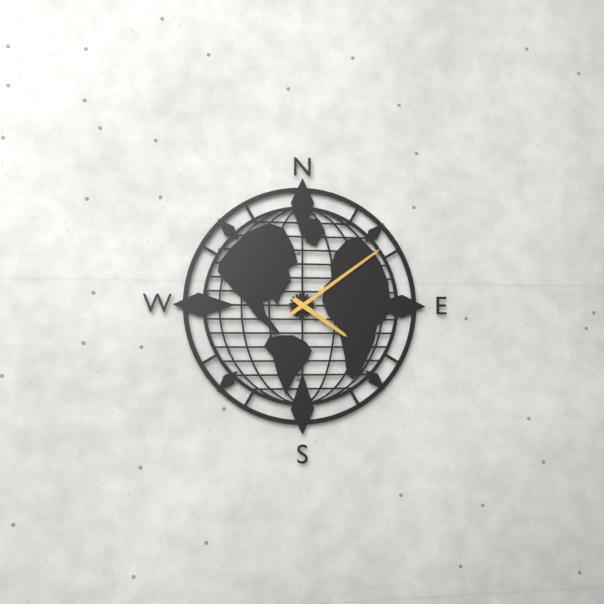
4:09
